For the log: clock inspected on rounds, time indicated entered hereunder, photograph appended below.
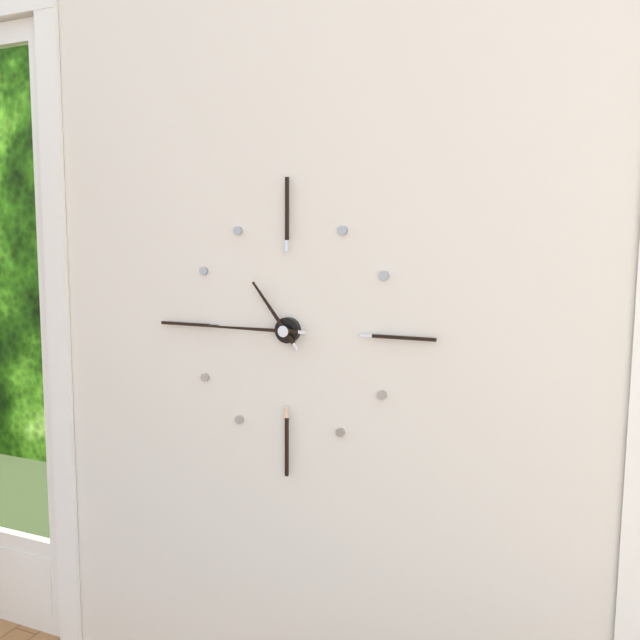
10:45
